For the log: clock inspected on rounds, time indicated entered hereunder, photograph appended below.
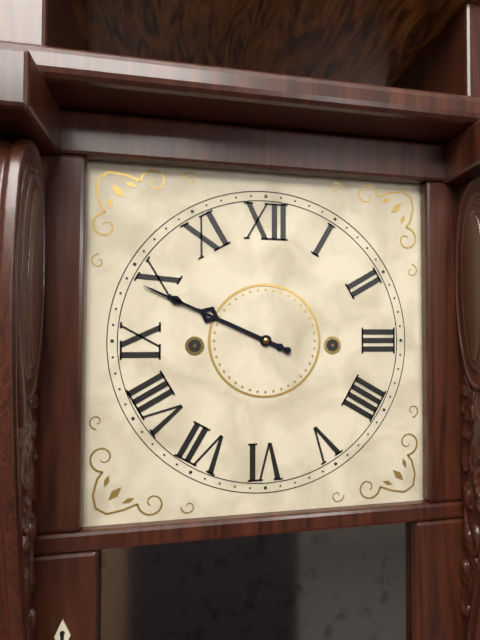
9:49
